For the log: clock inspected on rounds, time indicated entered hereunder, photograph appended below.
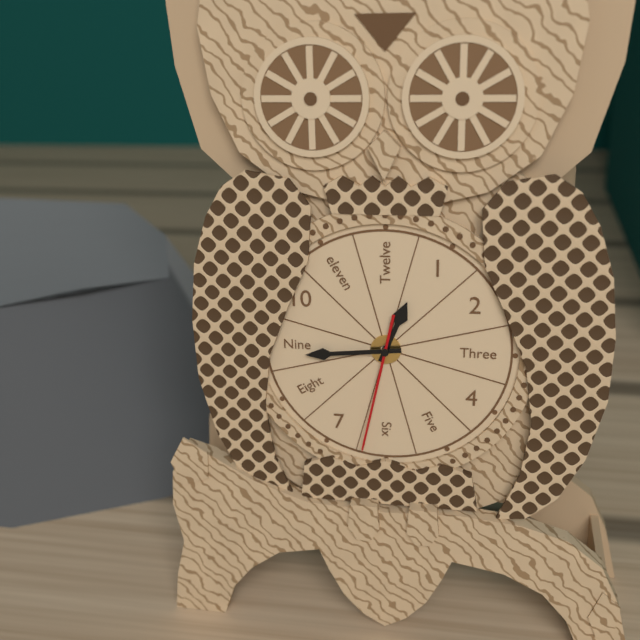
12:44:32
